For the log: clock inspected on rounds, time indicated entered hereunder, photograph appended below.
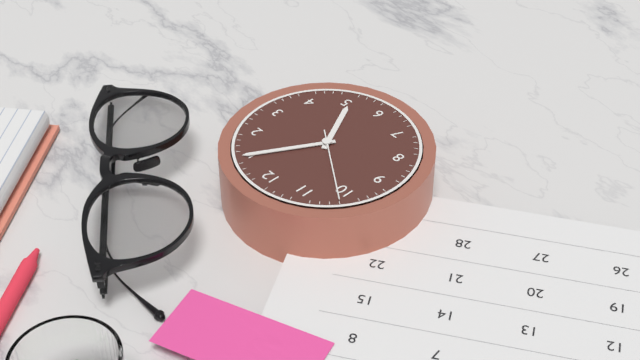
5:05:51
